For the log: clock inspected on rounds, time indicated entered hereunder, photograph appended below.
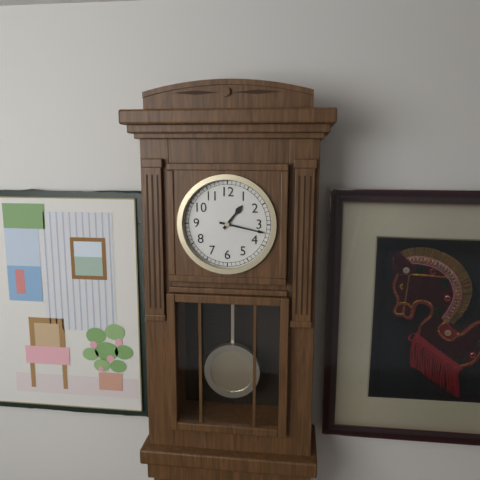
1:17
